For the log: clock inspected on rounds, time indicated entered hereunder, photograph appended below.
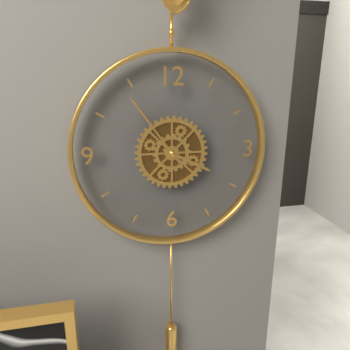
3:54
